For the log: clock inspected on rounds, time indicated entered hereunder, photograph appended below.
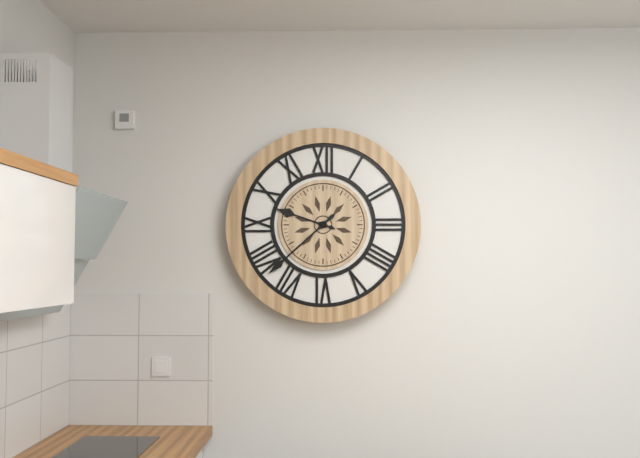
9:38
